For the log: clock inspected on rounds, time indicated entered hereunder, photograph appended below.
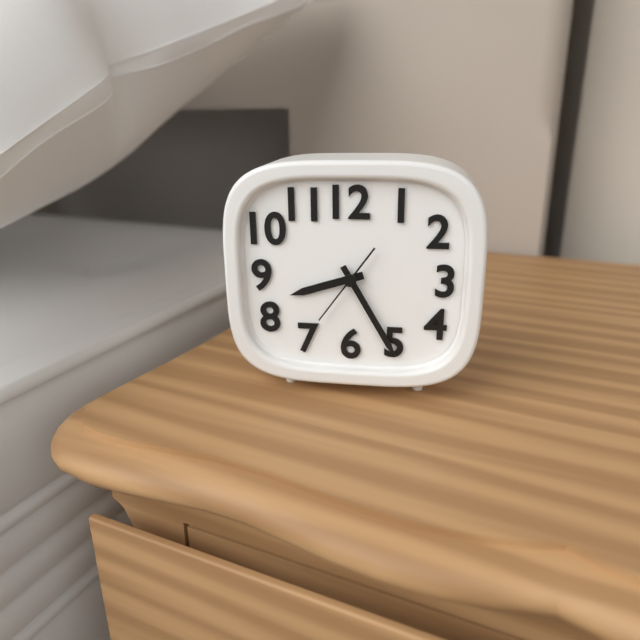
8:25:36
